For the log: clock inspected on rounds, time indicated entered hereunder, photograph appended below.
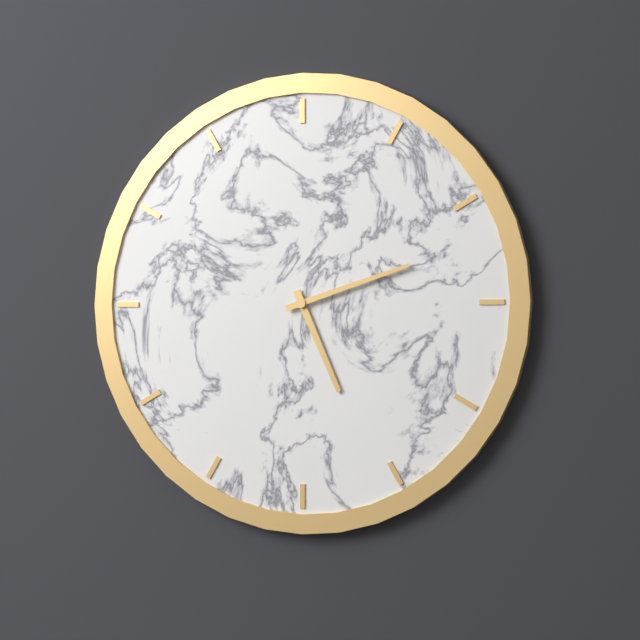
5:12
